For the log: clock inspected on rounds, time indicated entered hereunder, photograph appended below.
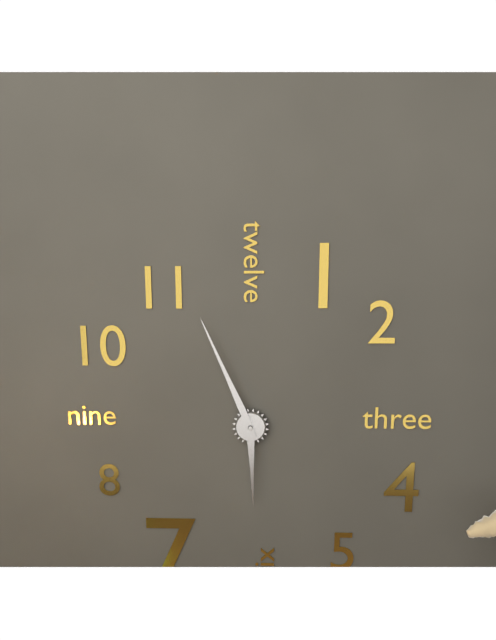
5:56
